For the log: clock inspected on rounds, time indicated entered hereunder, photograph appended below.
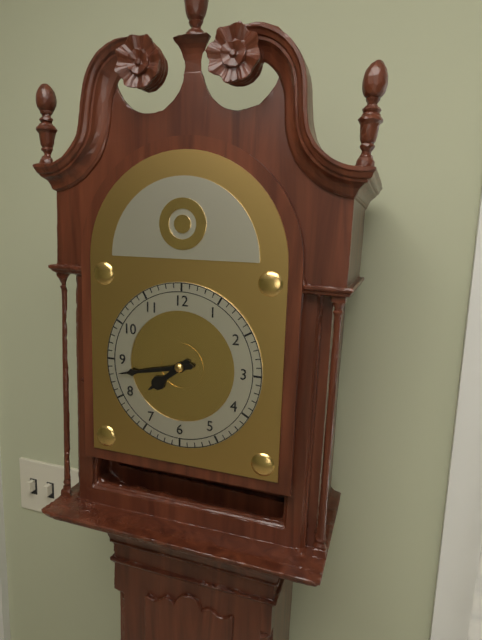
7:43
